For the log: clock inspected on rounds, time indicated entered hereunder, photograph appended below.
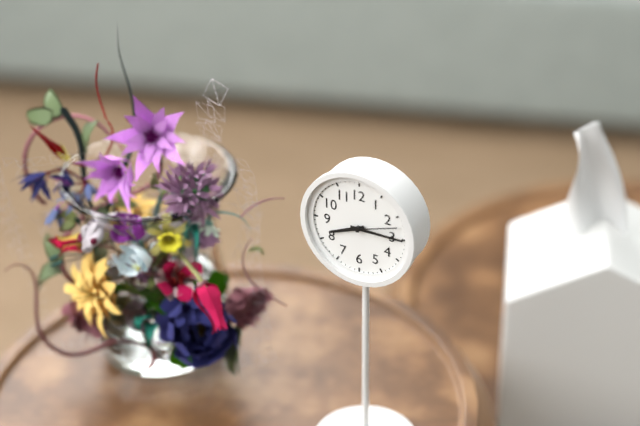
8:15
